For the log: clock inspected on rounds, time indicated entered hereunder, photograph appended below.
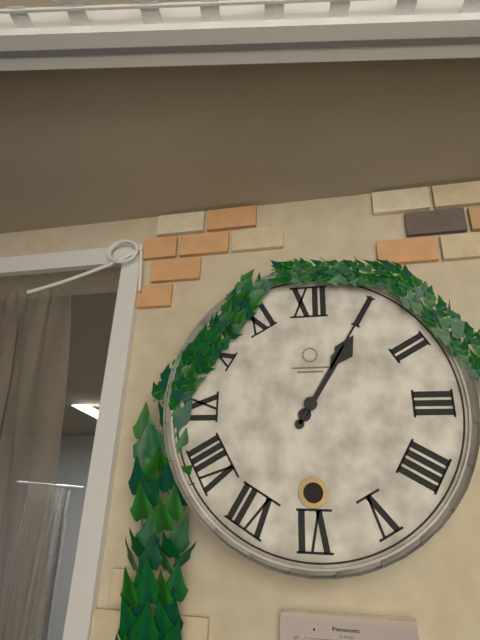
1:05
